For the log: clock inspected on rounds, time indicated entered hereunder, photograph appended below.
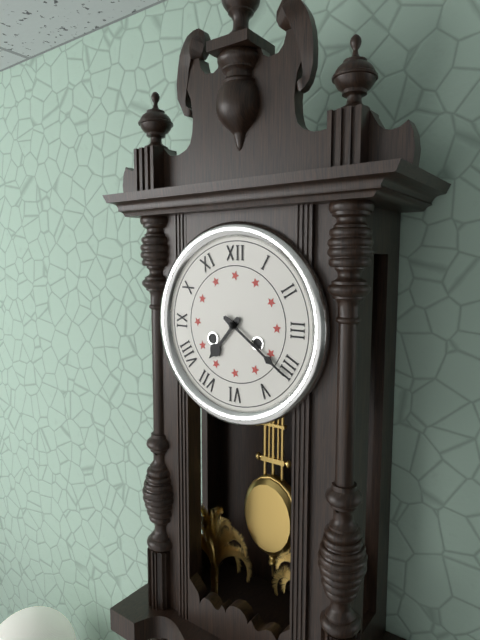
7:21
